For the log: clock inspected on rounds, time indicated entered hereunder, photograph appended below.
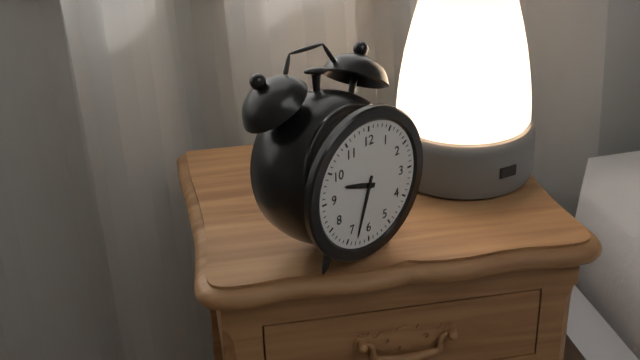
9:33
